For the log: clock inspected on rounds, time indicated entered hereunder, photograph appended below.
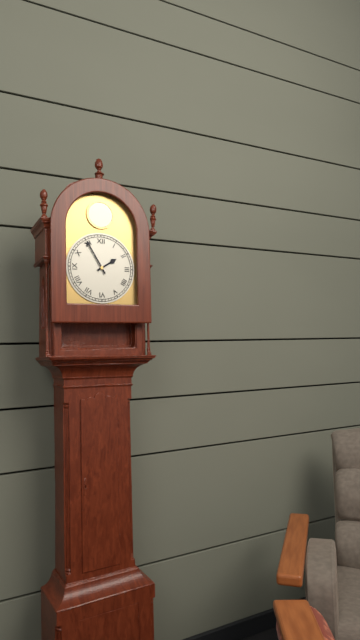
1:55
